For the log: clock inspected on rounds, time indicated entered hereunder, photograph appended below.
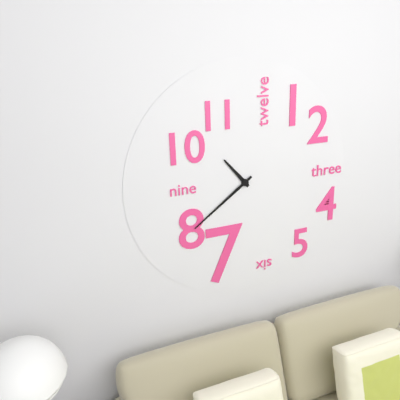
10:39
